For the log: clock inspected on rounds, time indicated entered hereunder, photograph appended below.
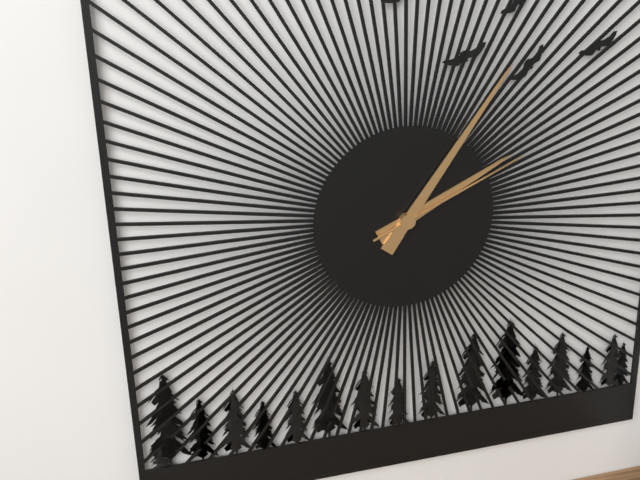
2:06:11
